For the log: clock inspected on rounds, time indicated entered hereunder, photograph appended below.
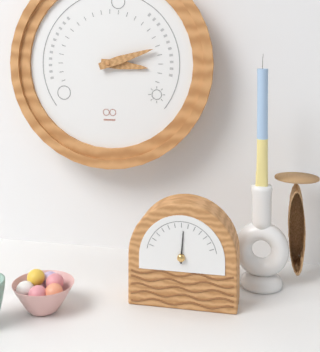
3:12
